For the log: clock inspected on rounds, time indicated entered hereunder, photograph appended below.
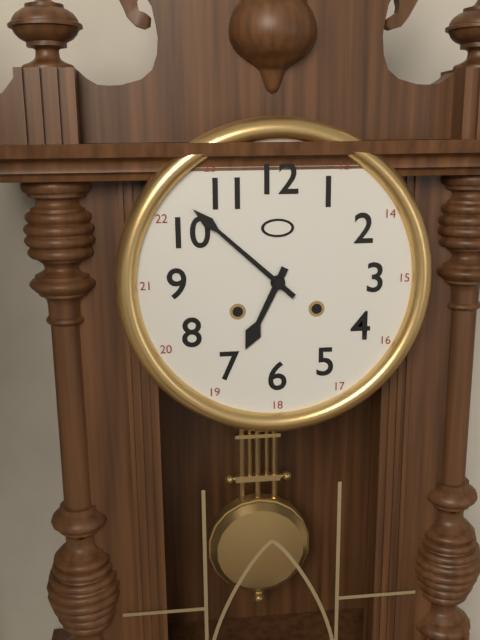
6:52
